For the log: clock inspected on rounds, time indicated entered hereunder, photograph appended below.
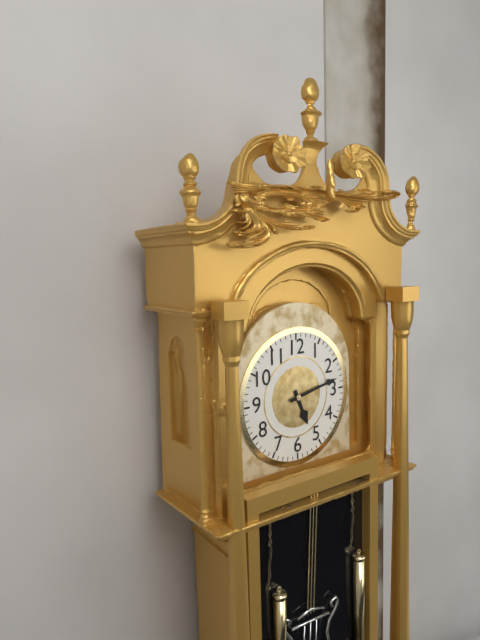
5:13
